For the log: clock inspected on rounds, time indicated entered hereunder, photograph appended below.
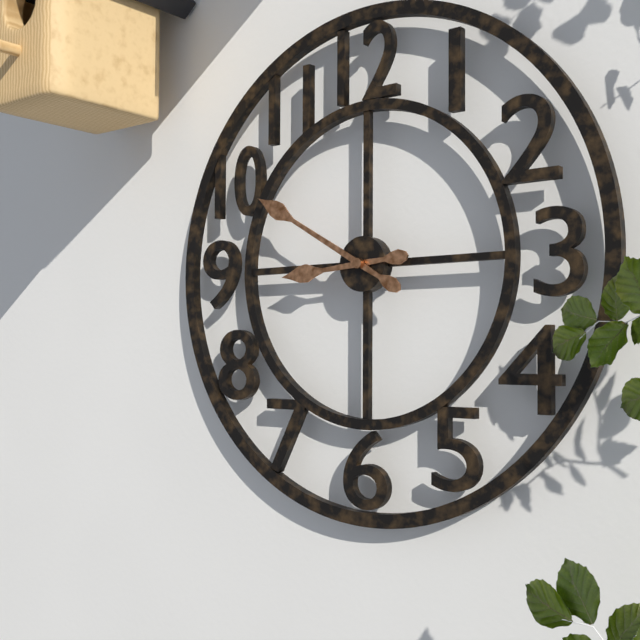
8:50
